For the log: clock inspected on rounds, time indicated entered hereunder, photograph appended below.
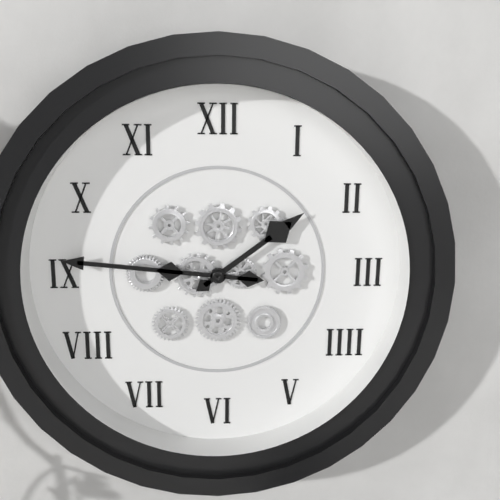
1:46
